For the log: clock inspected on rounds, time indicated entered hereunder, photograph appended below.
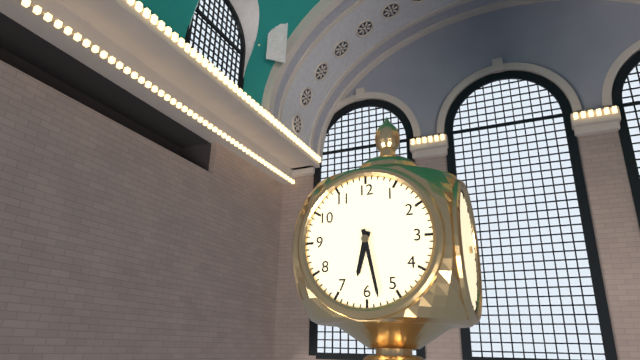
6:28
